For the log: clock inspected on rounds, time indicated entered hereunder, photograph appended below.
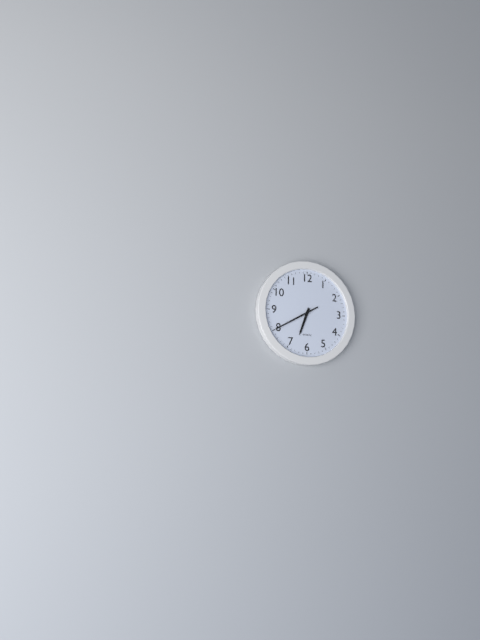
6:40
